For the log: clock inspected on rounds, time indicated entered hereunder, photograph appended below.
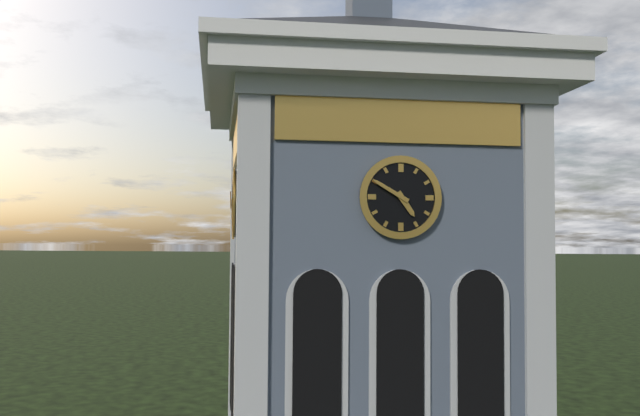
4:50
